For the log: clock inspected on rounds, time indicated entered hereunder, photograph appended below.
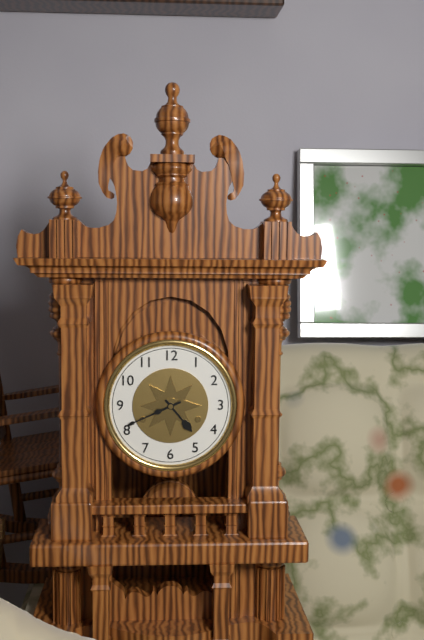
4:41
